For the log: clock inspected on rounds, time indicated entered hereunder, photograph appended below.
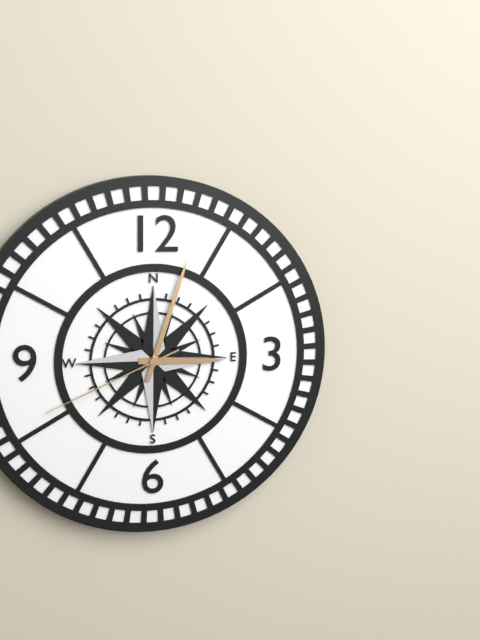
3:03:41
